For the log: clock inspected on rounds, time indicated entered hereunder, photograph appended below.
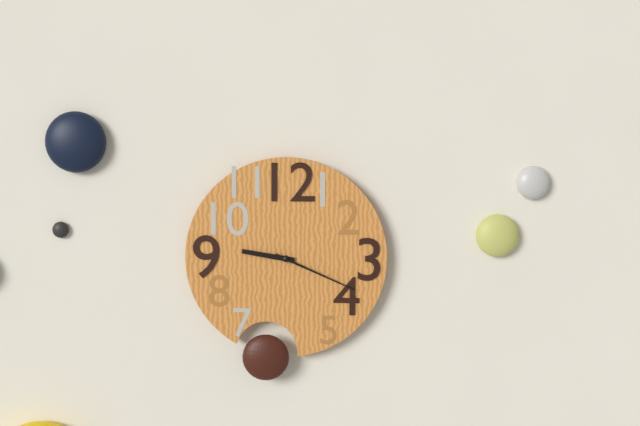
9:19
